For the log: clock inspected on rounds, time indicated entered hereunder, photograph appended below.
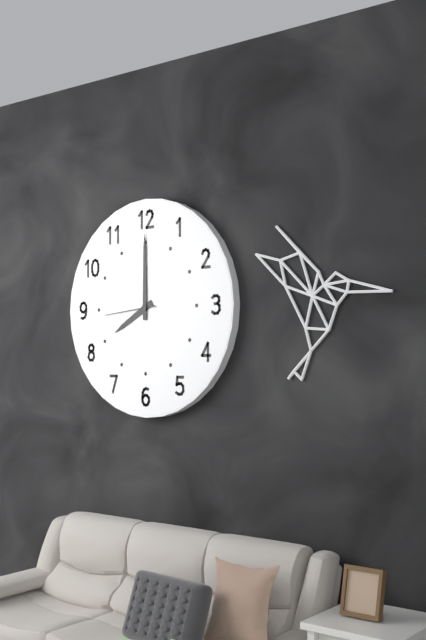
8:00:44
